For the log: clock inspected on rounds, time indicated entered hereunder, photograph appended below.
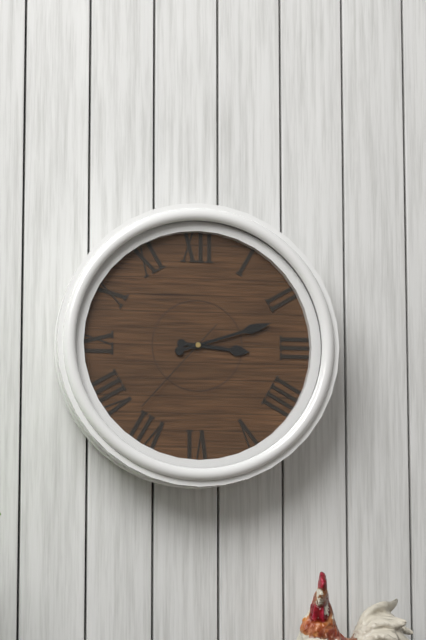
3:12:37
